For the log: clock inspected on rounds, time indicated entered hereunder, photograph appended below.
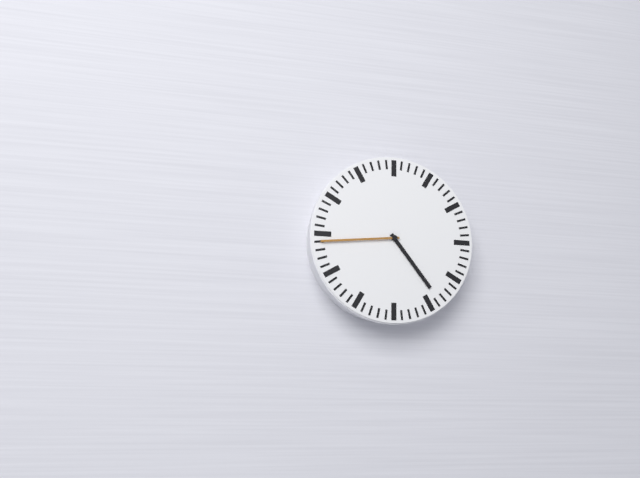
4:44
